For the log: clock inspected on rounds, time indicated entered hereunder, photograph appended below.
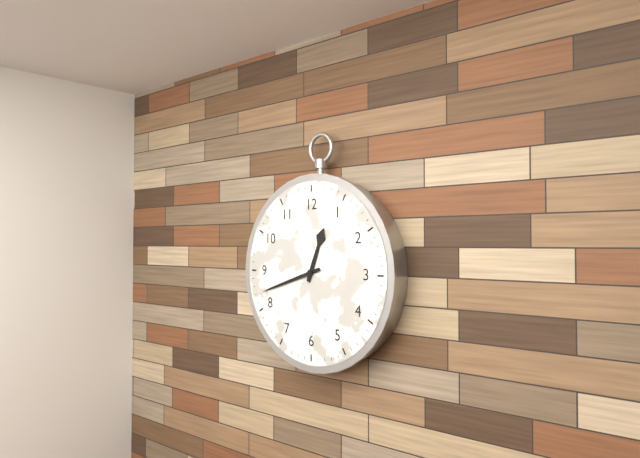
12:42
